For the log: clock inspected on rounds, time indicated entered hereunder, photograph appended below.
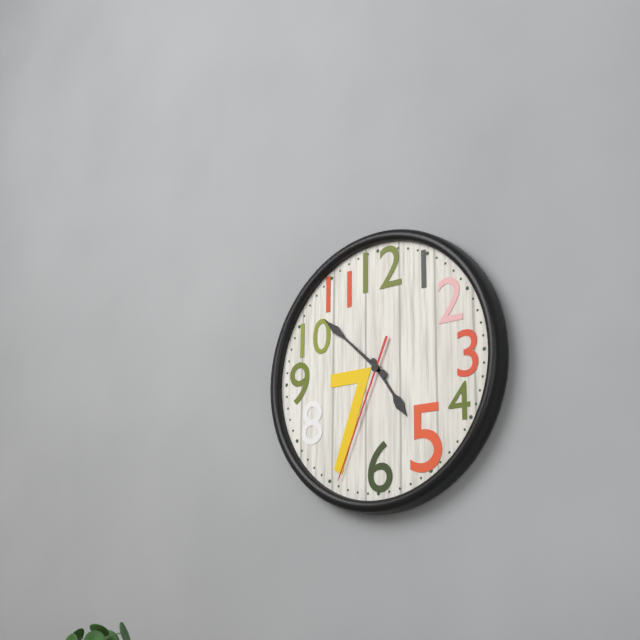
4:52:34
